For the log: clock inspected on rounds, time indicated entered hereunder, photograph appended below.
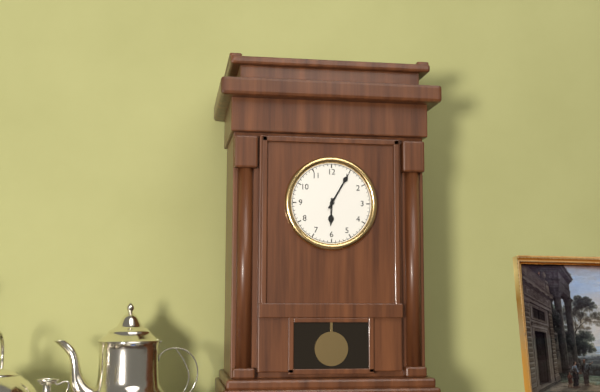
6:05
